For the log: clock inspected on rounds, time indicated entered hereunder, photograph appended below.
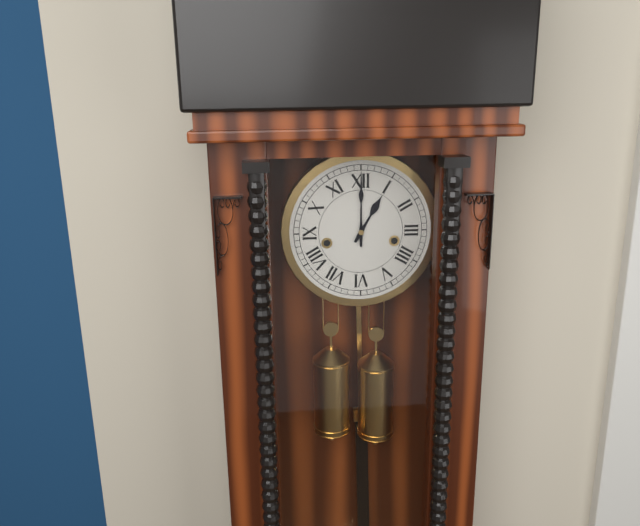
1:00
